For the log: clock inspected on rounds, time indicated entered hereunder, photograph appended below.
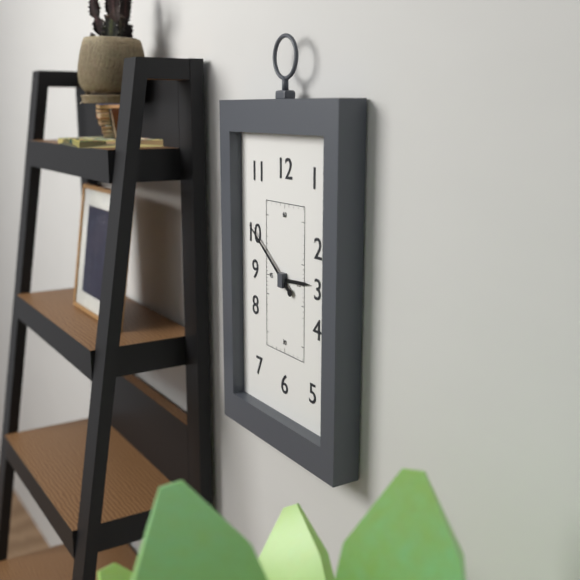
2:51
